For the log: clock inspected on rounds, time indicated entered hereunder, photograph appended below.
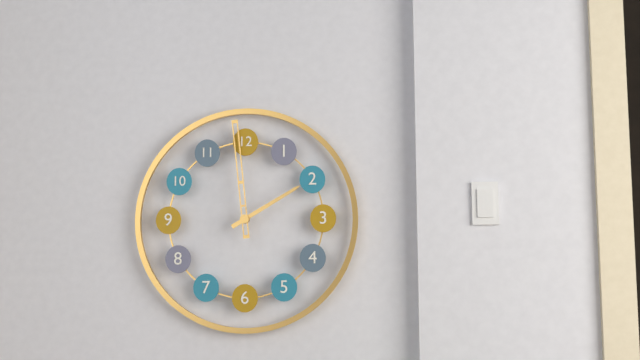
1:59
